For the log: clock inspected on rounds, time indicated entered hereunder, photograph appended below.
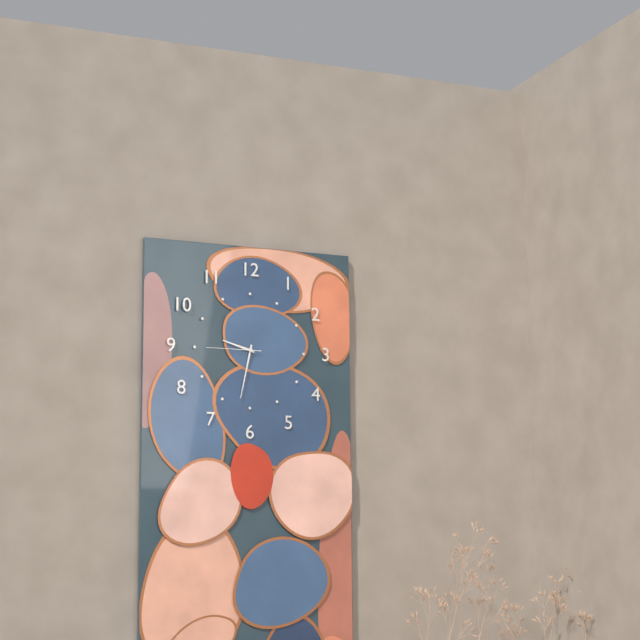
9:32:45
